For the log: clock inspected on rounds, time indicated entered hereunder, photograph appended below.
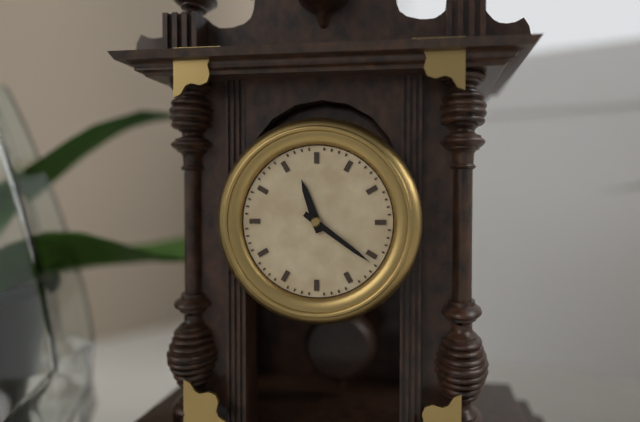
11:21
